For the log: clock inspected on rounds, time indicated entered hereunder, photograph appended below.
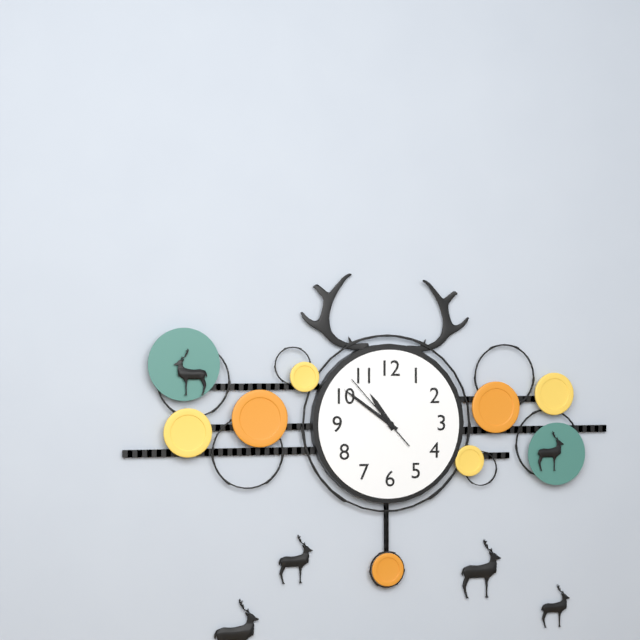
10:51:53
